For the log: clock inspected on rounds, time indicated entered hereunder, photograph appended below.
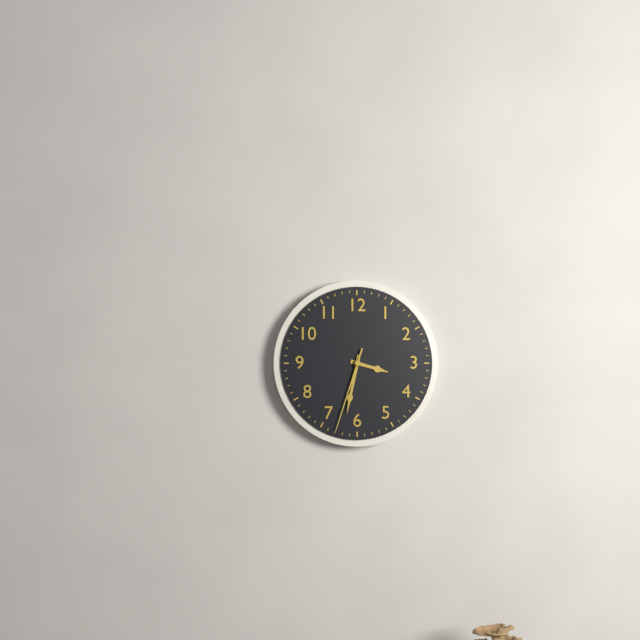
3:32:33
